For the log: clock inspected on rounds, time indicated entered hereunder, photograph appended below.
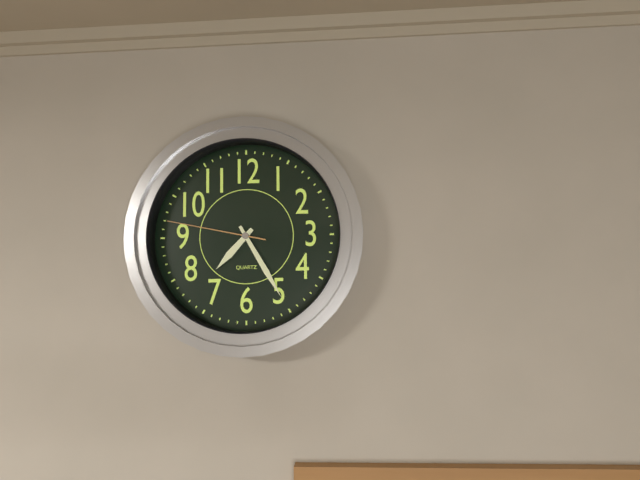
7:25:47
